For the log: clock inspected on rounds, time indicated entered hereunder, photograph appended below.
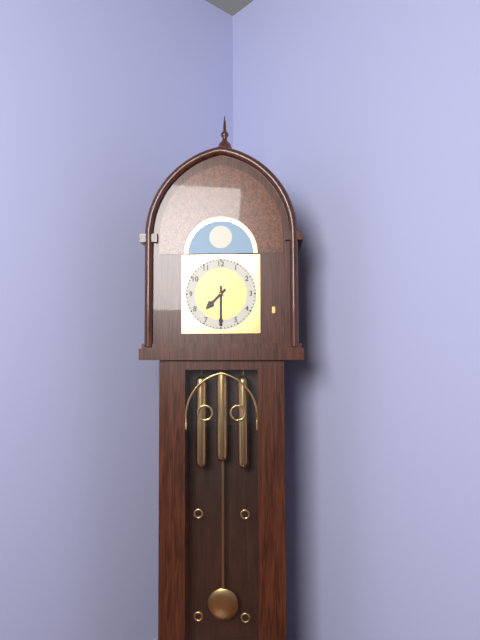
7:30
